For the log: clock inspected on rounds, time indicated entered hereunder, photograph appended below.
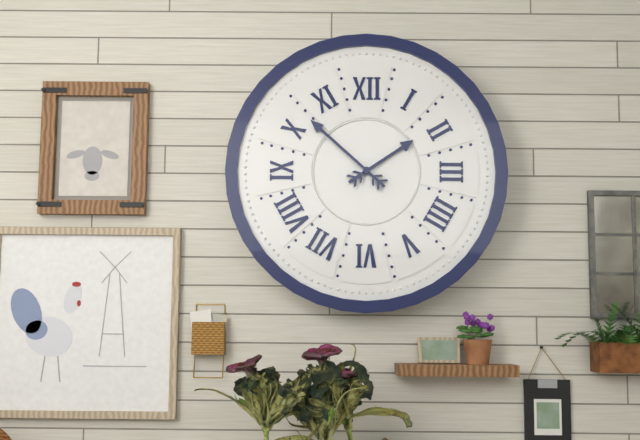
1:52
